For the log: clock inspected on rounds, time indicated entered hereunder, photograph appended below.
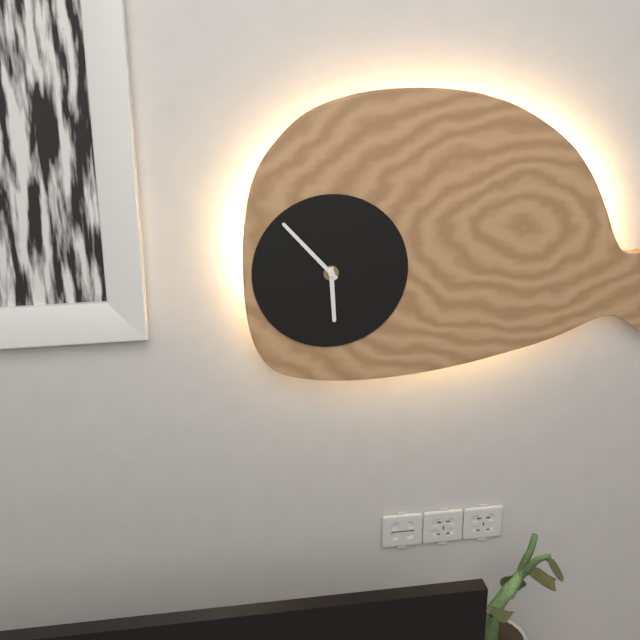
5:53
